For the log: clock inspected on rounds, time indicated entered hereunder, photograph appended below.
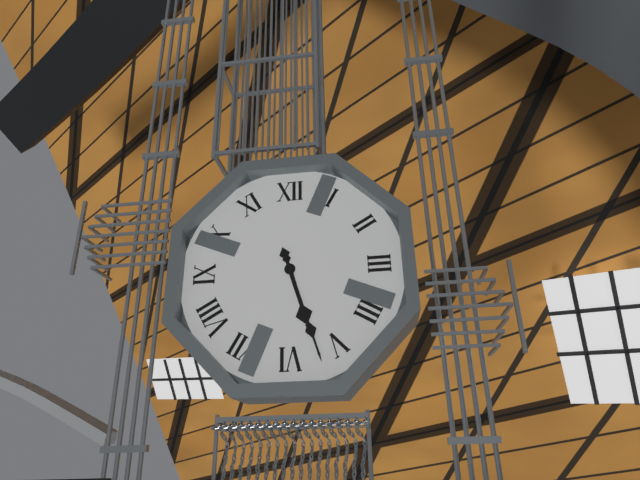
5:27
